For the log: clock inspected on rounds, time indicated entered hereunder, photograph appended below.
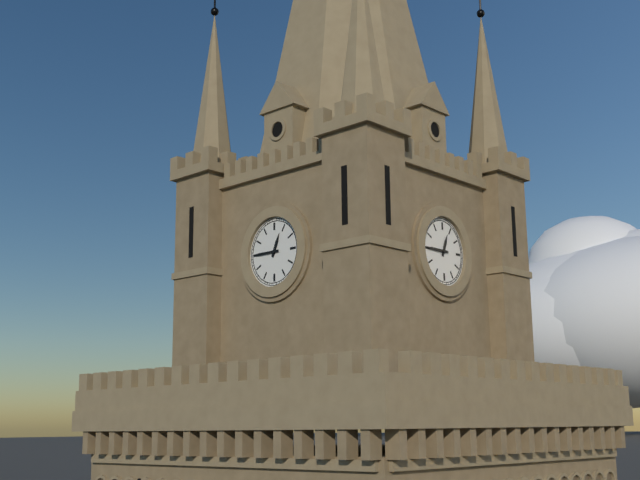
12:45
